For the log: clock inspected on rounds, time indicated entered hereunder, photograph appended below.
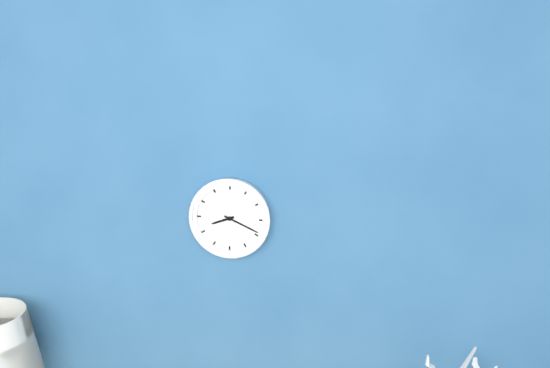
8:19
